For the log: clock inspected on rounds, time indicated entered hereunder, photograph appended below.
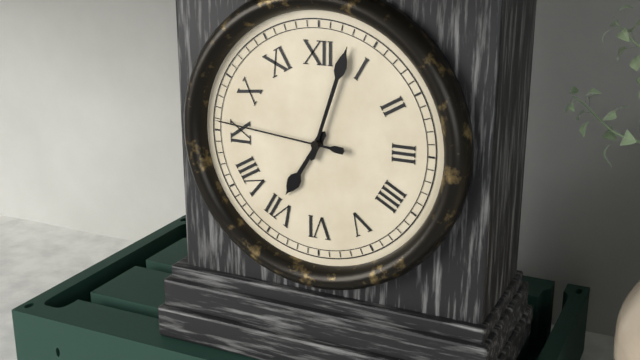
7:03:46
